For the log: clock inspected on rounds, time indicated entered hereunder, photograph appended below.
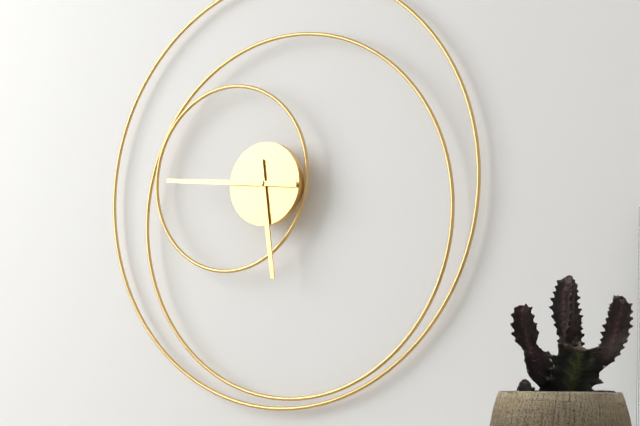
5:46
